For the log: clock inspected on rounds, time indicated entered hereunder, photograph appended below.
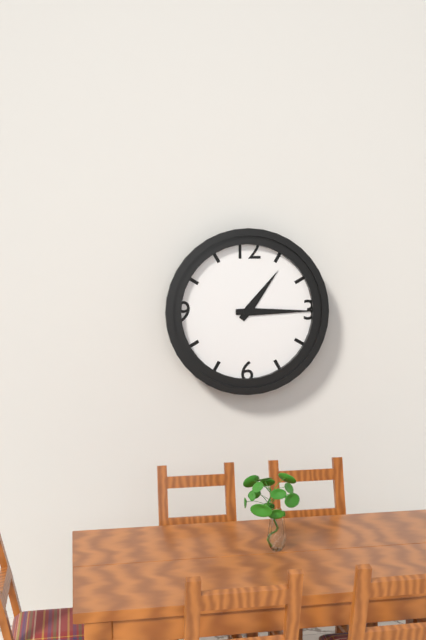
1:15
